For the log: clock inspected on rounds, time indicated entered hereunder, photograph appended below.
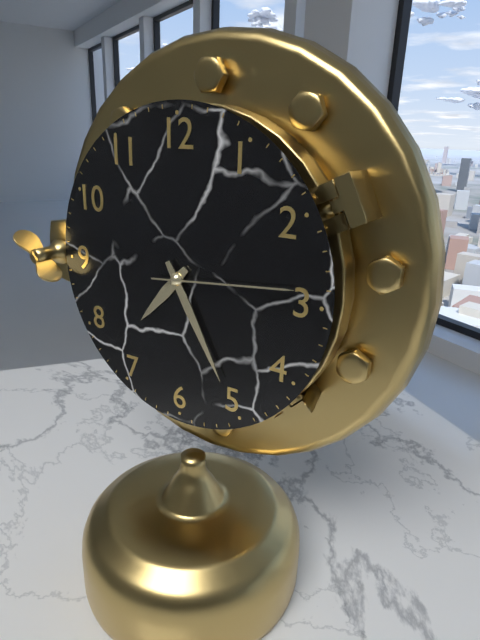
7:25:14
